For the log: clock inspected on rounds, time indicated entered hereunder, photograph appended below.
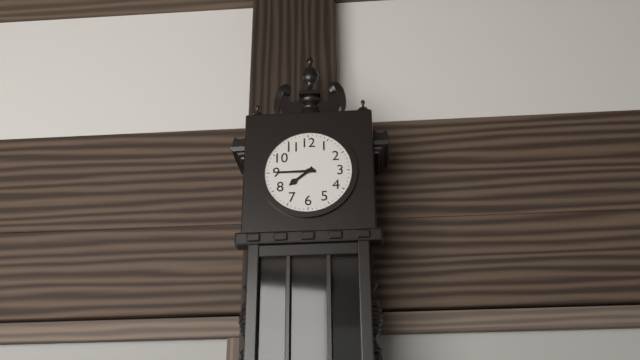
7:45
